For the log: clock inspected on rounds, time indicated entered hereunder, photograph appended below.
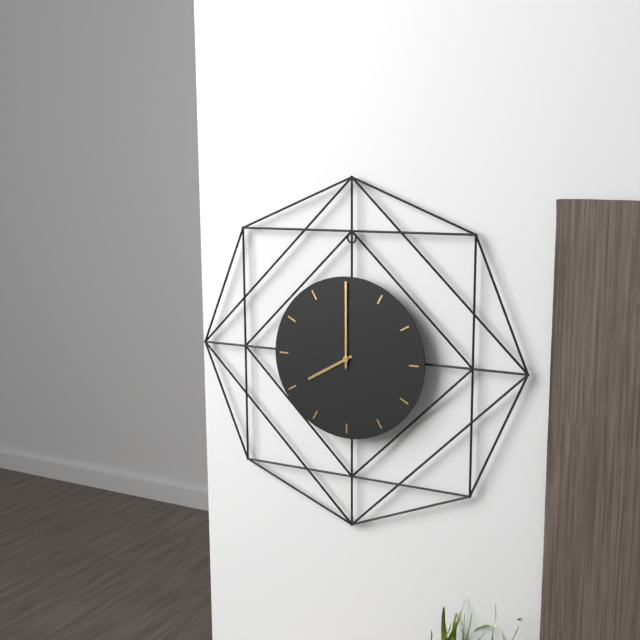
8:00
